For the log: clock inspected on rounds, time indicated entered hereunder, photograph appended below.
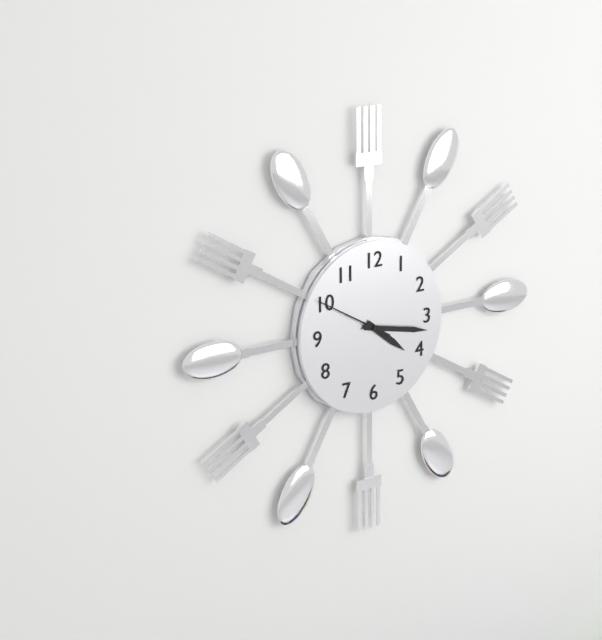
4:17:50
